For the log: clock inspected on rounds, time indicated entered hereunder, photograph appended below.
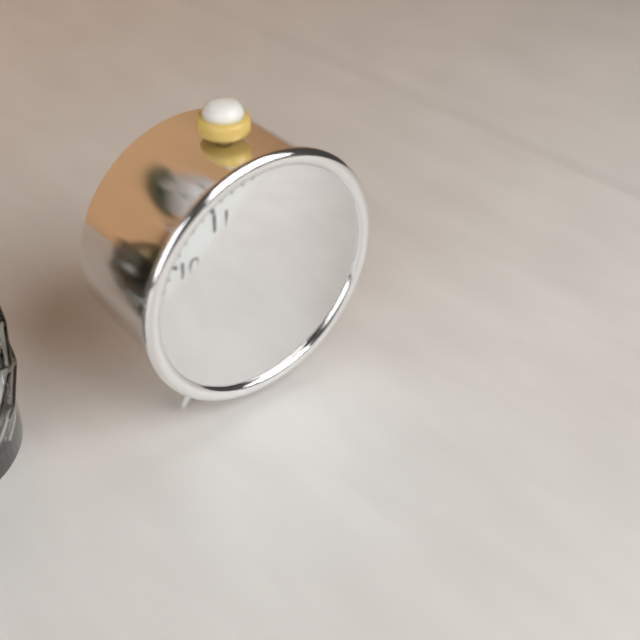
7:03
